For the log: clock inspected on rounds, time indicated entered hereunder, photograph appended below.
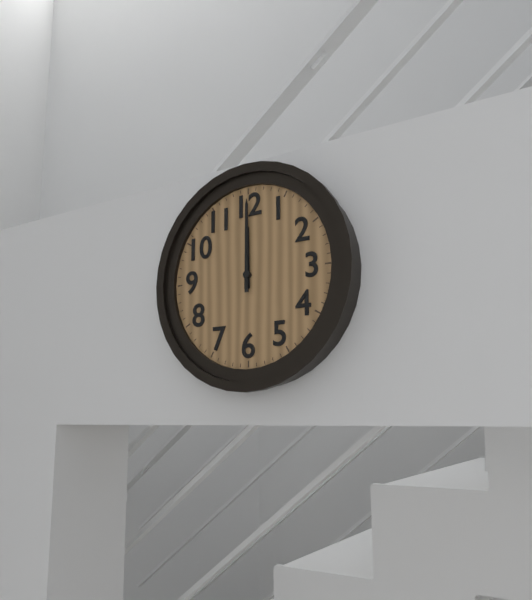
12:00
